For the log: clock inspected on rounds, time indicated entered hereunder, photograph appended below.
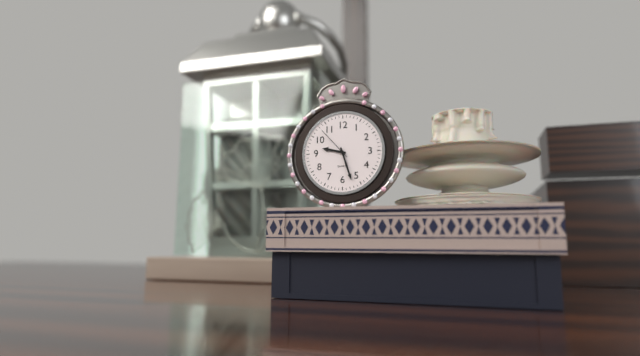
9:27
